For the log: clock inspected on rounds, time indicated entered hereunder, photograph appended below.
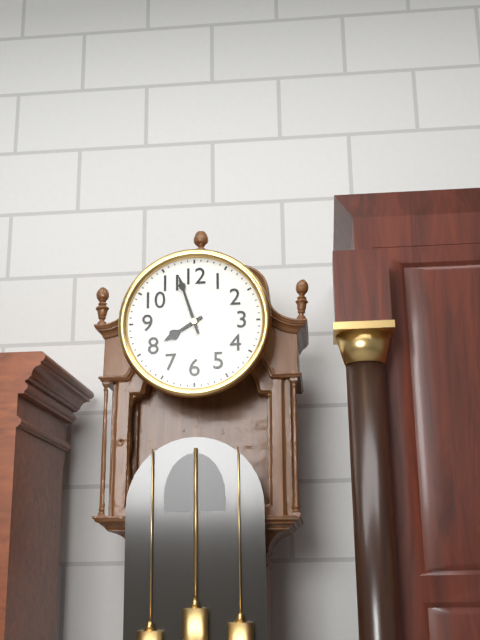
7:57
